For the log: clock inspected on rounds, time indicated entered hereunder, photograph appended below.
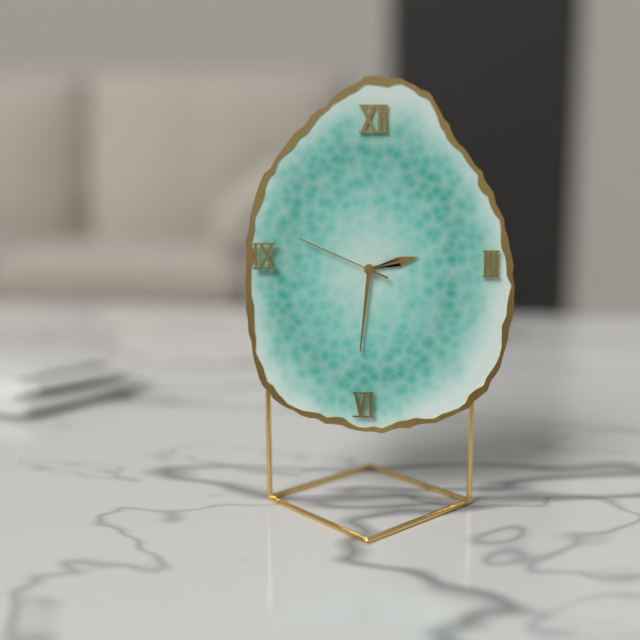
2:31:49
